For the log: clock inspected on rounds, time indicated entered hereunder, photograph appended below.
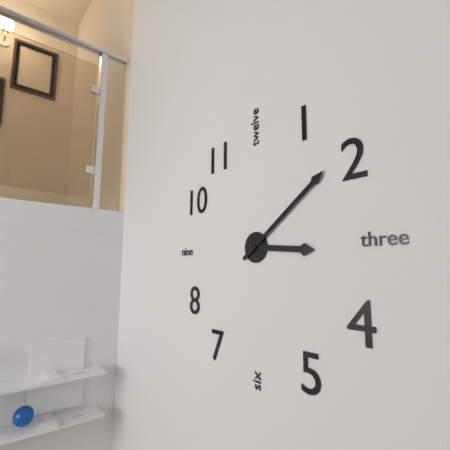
3:09
